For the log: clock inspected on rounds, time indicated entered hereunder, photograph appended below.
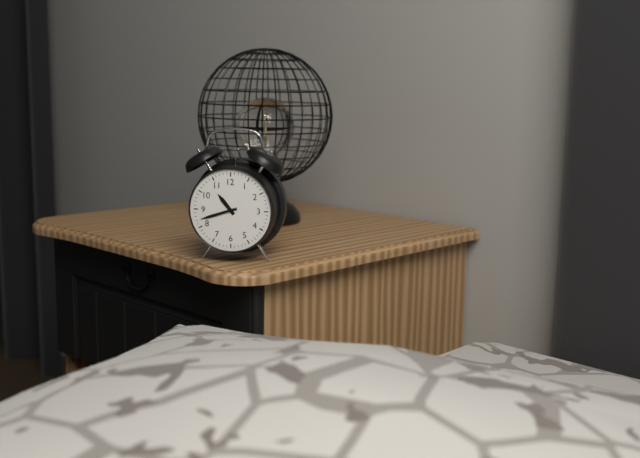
10:42
